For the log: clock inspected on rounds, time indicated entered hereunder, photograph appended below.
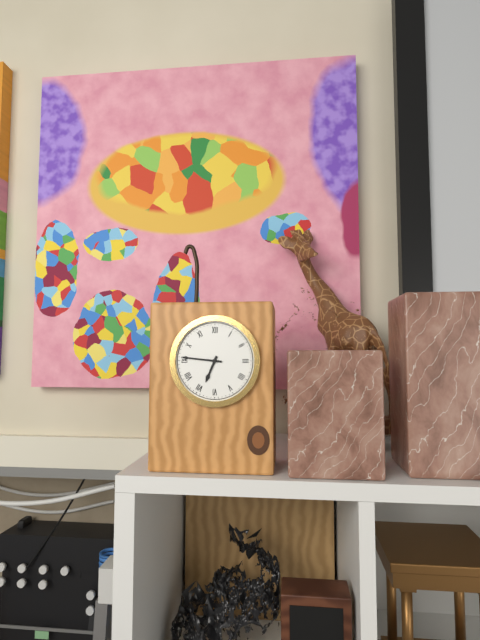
6:46
